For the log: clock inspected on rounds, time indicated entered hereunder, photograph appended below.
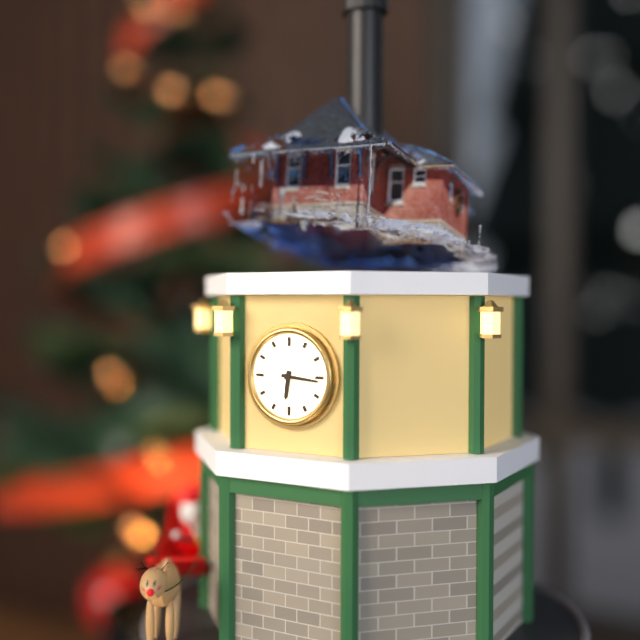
6:16
